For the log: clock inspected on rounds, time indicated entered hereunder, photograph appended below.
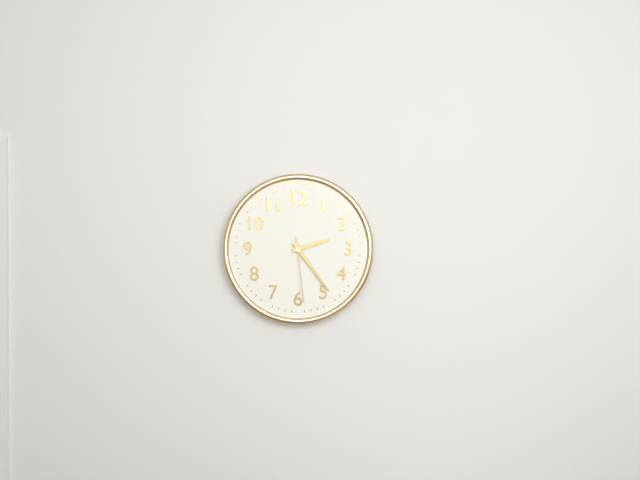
2:24:29
